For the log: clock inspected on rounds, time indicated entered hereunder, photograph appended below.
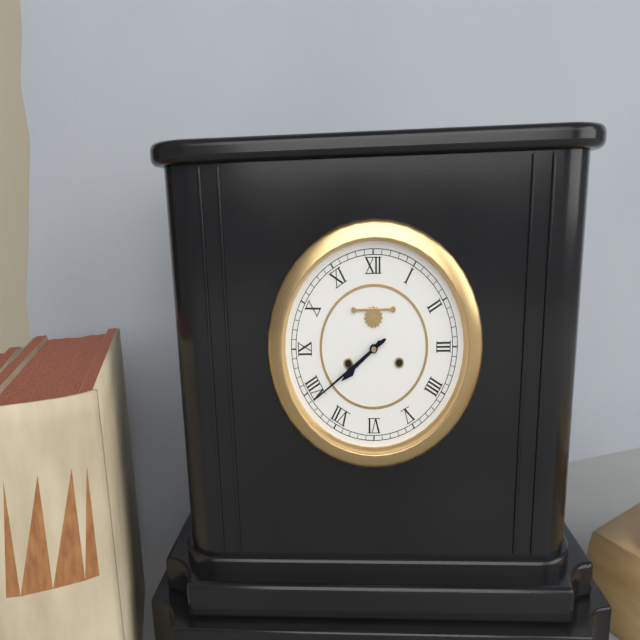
7:39
